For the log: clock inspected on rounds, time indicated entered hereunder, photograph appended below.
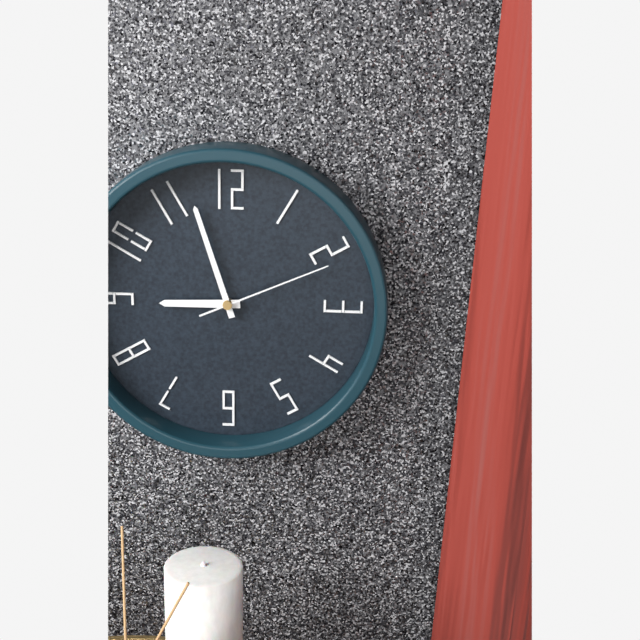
8:57:11
